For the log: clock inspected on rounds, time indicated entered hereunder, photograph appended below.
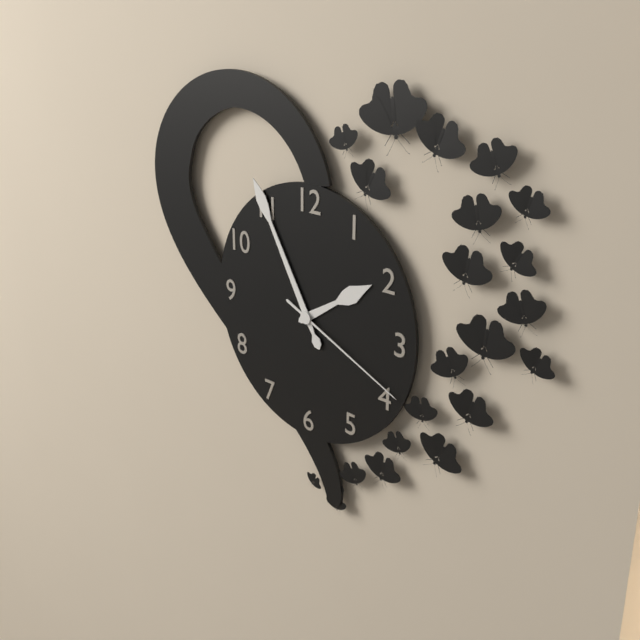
1:55:19
